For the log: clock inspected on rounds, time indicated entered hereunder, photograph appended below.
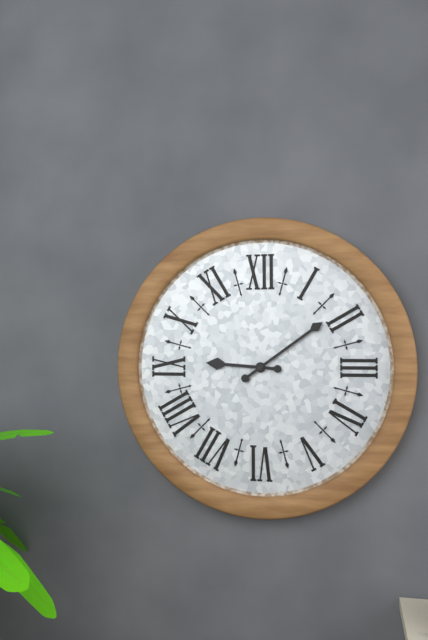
9:09
